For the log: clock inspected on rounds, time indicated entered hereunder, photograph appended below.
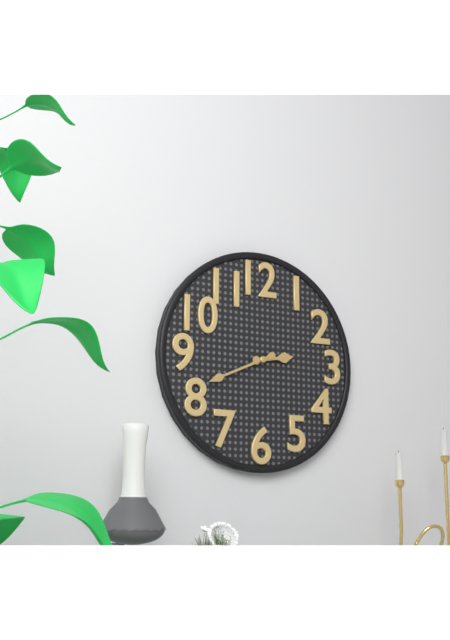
2:41
